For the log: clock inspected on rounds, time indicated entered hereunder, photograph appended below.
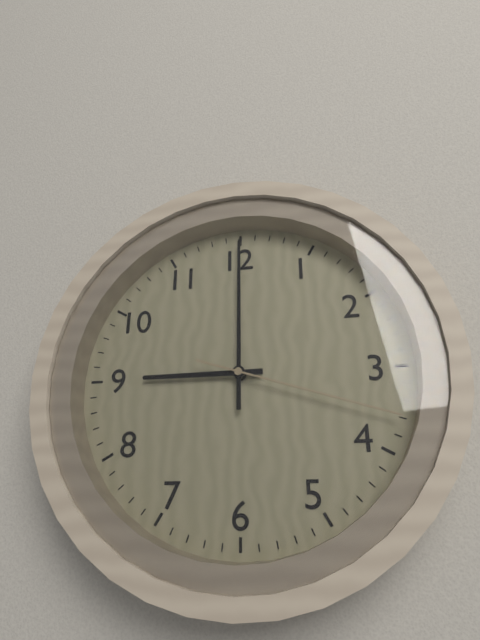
9:00:18
